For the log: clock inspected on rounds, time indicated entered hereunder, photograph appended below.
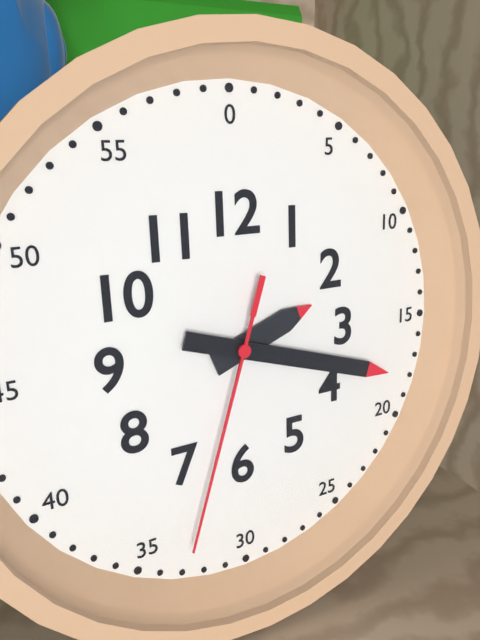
2:18:33
